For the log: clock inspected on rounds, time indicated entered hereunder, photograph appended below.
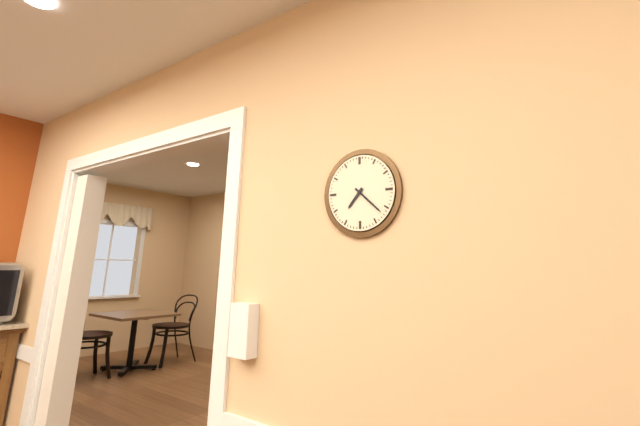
7:22
